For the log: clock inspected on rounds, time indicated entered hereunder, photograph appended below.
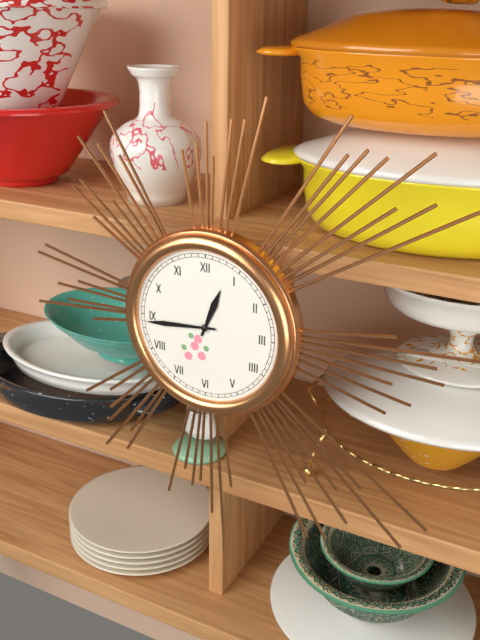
12:44
